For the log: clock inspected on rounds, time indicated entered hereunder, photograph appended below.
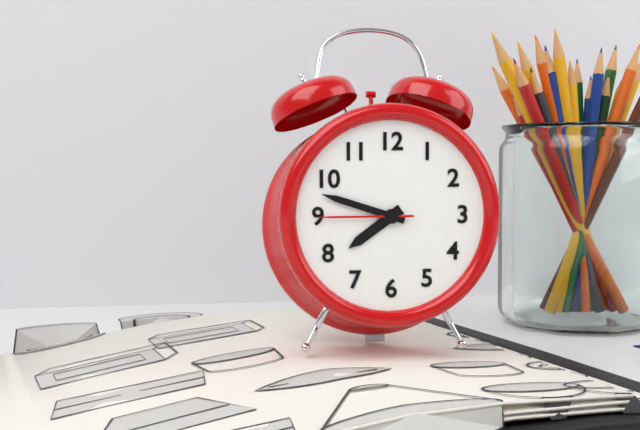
7:48:45
